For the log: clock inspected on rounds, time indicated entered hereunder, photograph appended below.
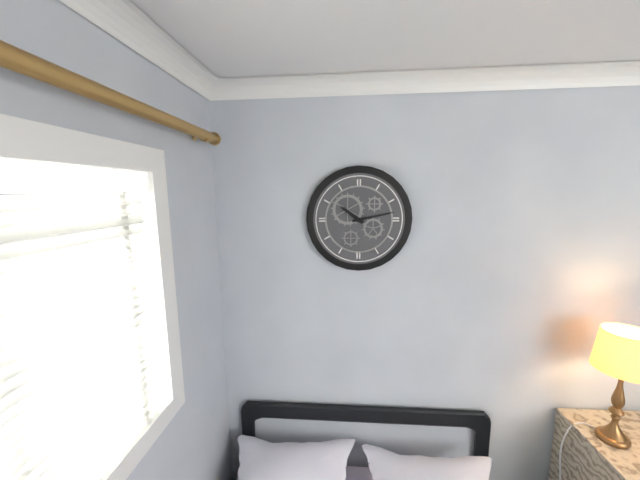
10:13
